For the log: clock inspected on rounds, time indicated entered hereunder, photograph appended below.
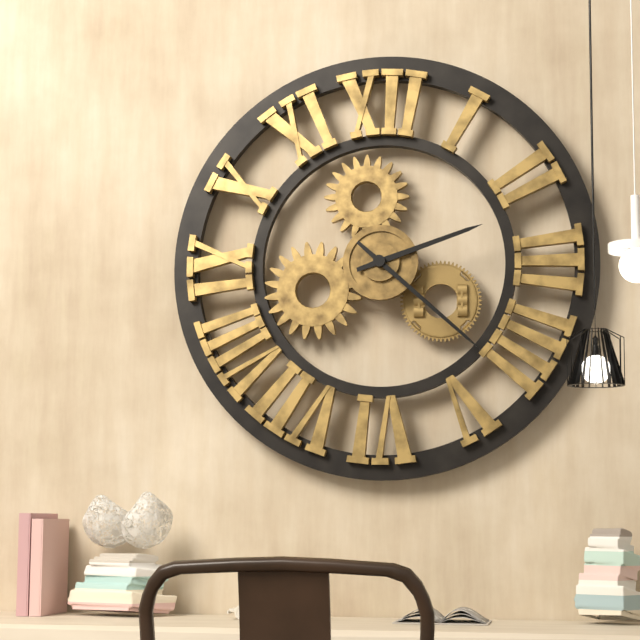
2:22
